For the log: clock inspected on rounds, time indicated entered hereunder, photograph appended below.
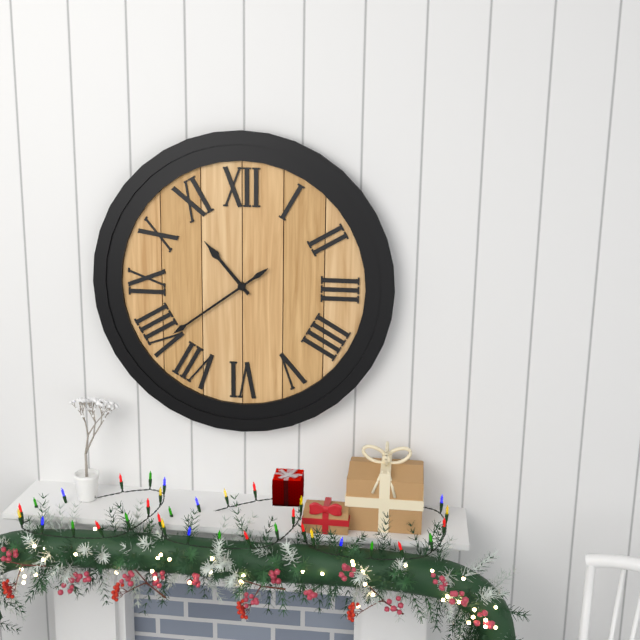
10:39
